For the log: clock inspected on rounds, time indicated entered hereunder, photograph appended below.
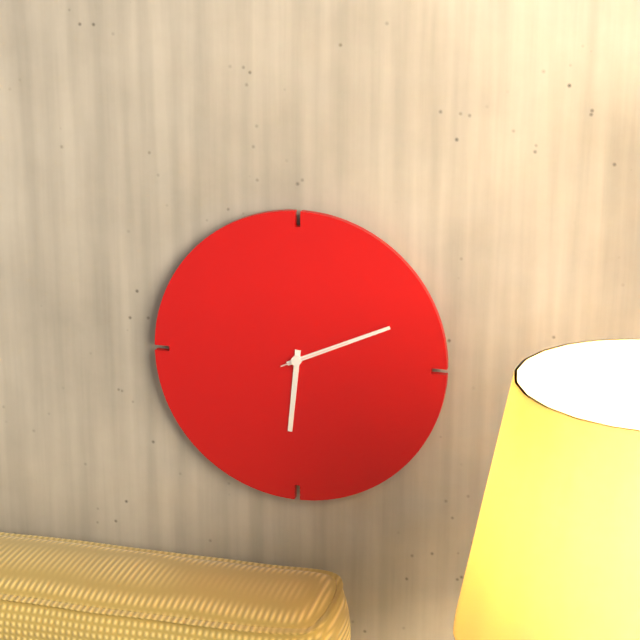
6:11:11
